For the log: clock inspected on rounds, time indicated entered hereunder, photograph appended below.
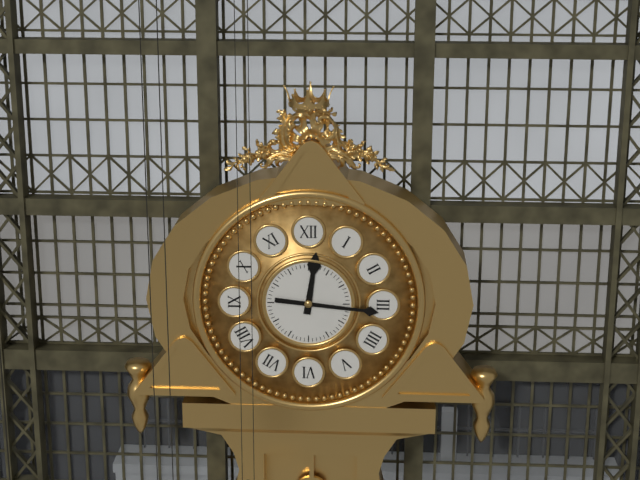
12:16
